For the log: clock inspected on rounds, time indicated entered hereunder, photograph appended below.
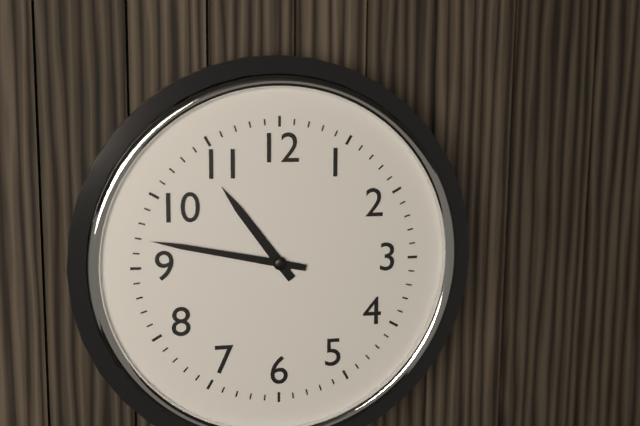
10:47
